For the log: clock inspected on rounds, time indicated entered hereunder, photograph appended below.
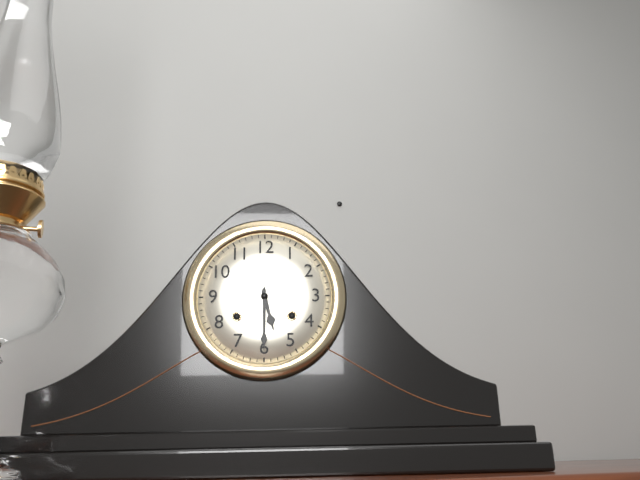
5:30
